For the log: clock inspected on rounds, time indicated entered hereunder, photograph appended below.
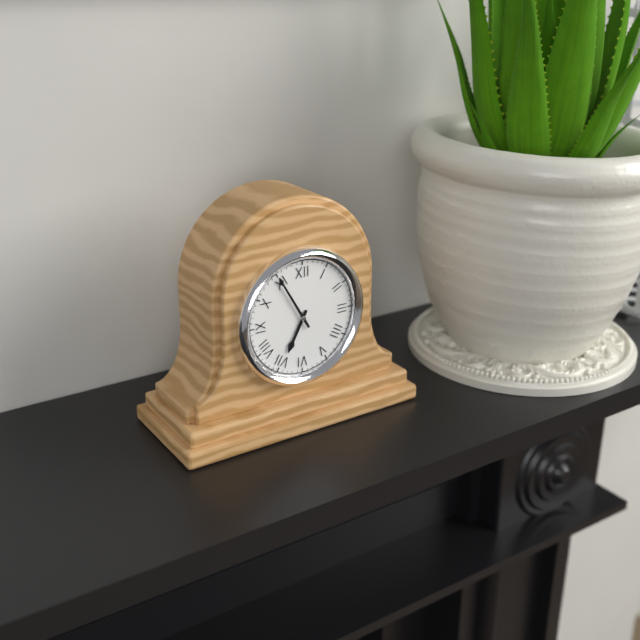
6:55
